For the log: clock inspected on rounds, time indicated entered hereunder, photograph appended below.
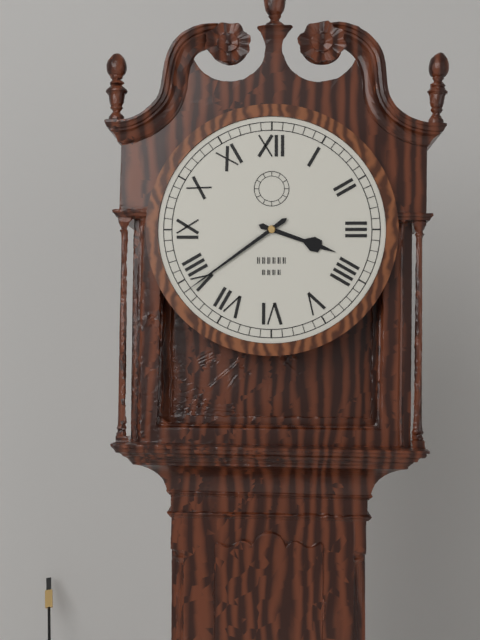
3:39
